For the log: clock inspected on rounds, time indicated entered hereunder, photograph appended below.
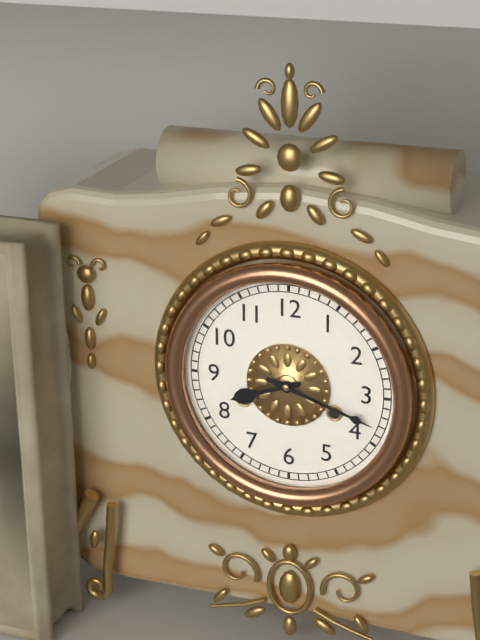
8:18
